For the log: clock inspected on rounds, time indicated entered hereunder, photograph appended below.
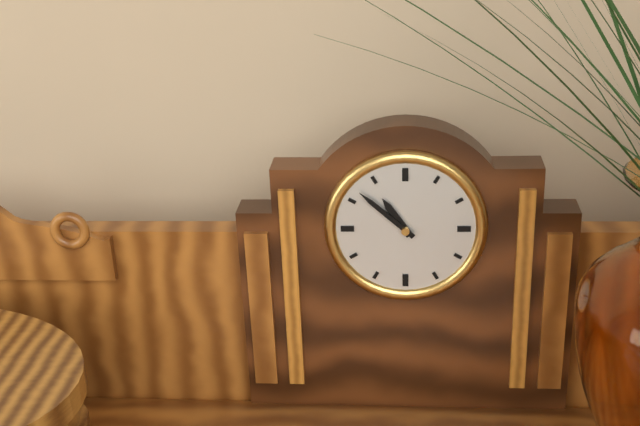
10:52
